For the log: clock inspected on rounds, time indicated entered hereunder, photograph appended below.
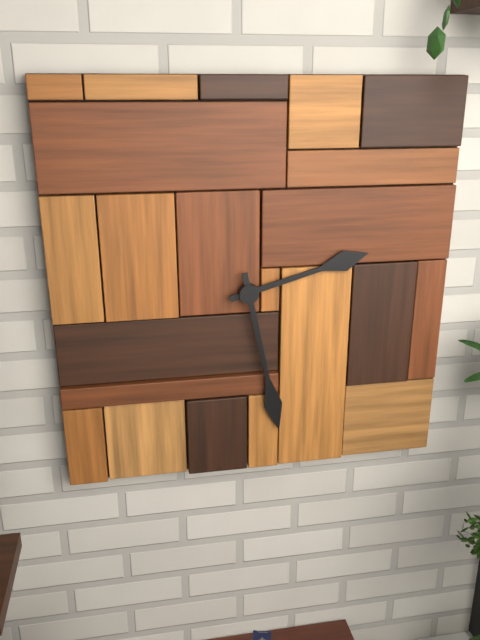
2:28
